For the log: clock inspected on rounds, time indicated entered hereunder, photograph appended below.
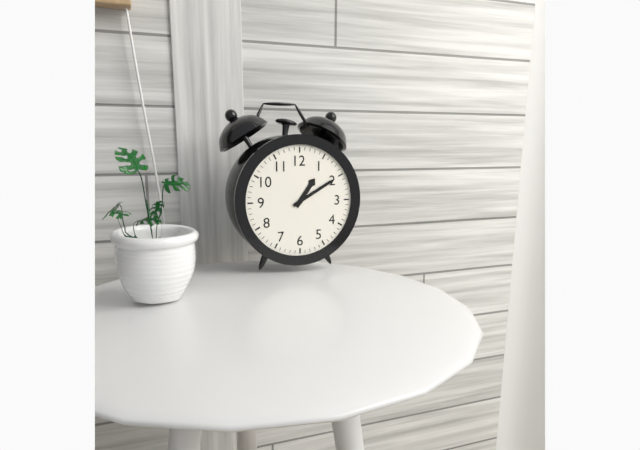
1:10
